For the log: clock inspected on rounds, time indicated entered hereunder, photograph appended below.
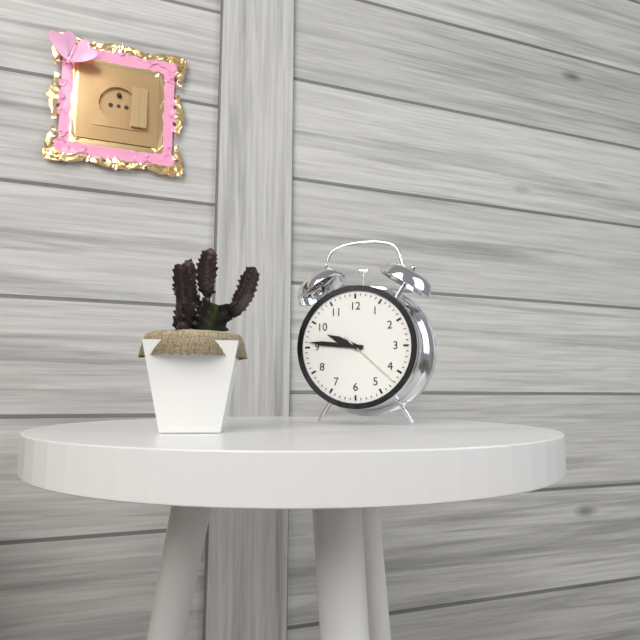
9:46:22
